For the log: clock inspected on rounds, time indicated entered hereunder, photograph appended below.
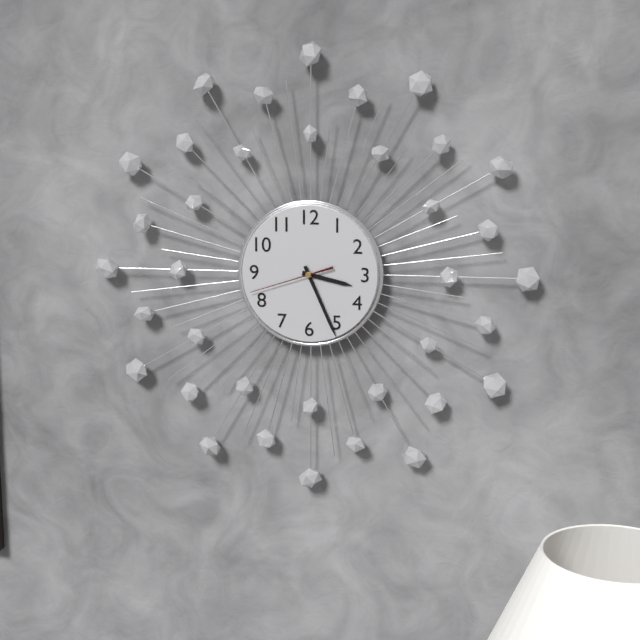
3:26:42
